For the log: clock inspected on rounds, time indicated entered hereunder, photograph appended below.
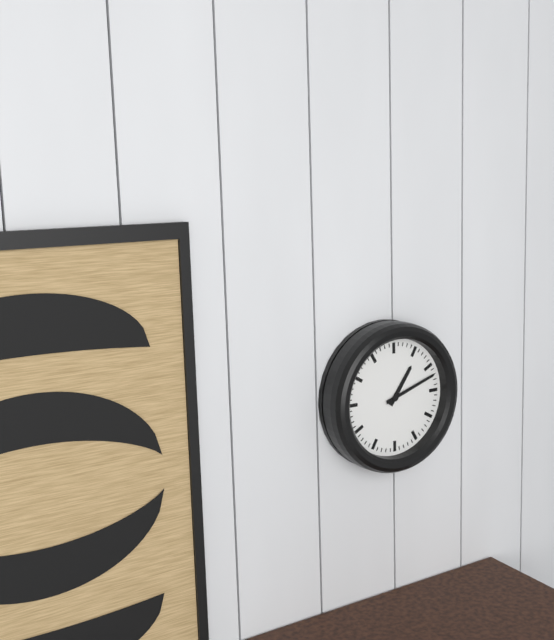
1:12
